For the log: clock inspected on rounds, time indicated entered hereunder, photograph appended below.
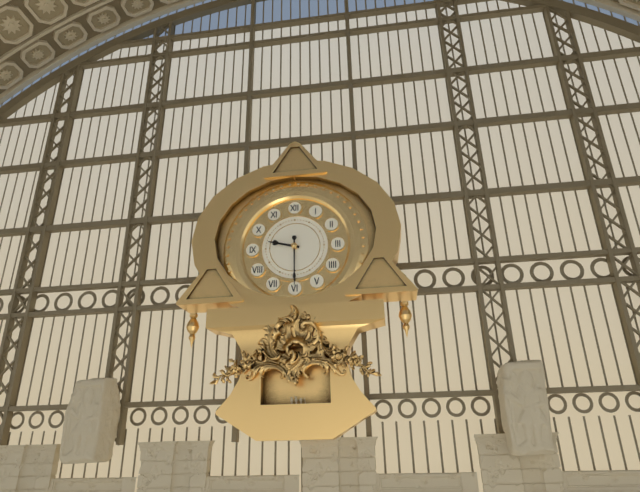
9:30
